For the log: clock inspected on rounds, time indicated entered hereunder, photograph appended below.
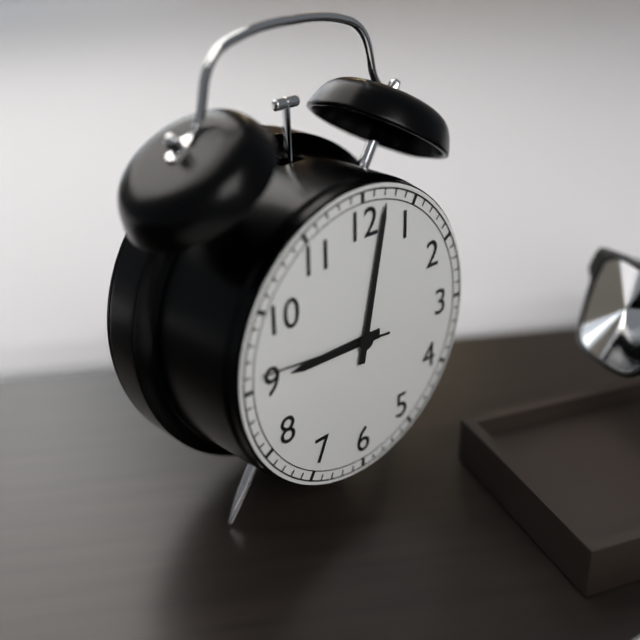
9:02:46
